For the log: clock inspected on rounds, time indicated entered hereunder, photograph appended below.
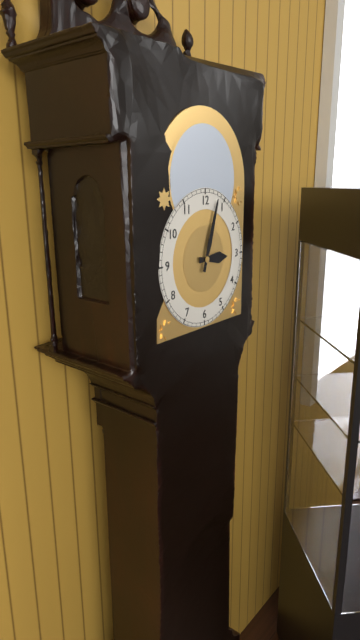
3:03
